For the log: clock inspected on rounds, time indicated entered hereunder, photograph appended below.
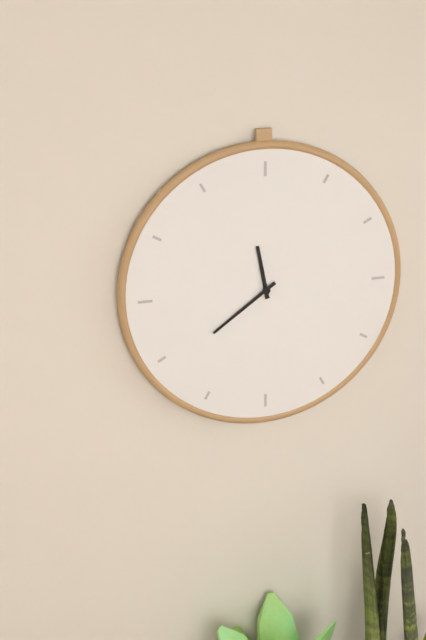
11:39
